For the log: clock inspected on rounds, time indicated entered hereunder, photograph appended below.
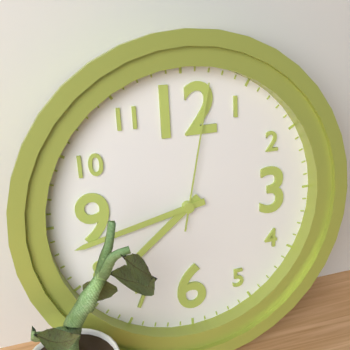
7:43:02
